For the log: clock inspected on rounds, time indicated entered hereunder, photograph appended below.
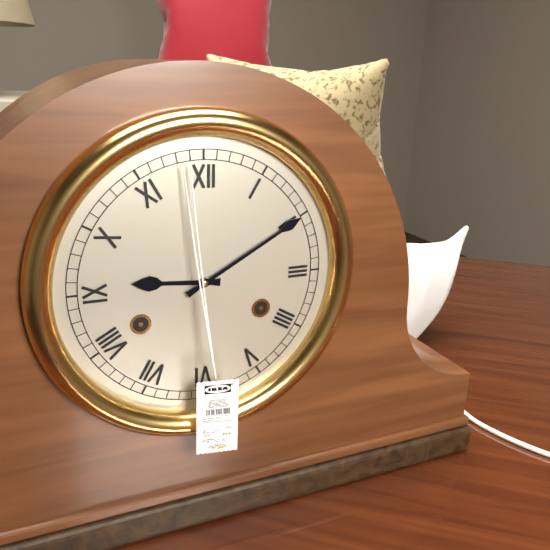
9:10
